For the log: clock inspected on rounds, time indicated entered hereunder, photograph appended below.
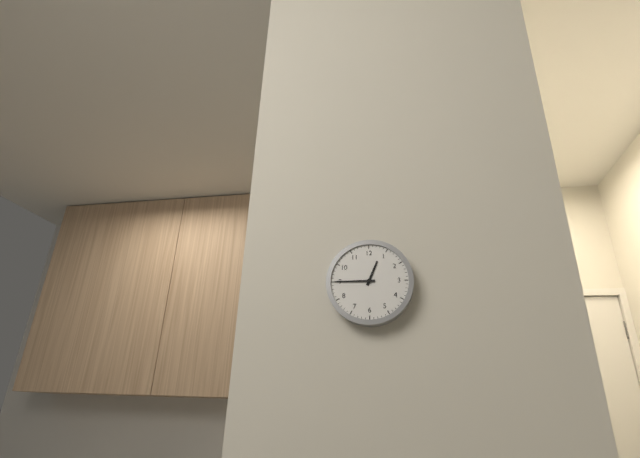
12:45
